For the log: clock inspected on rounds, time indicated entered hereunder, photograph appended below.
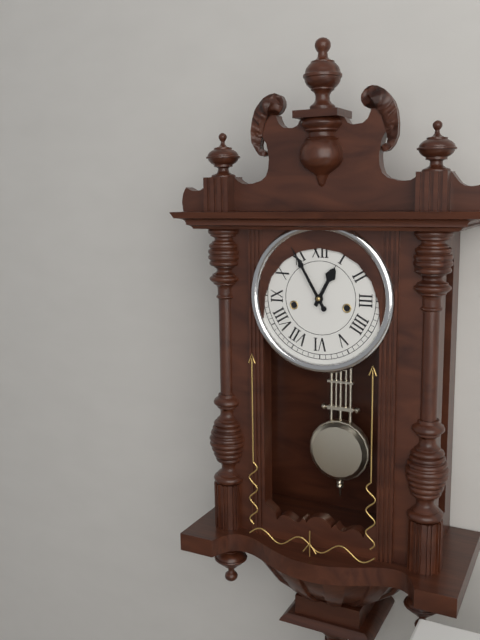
12:55
